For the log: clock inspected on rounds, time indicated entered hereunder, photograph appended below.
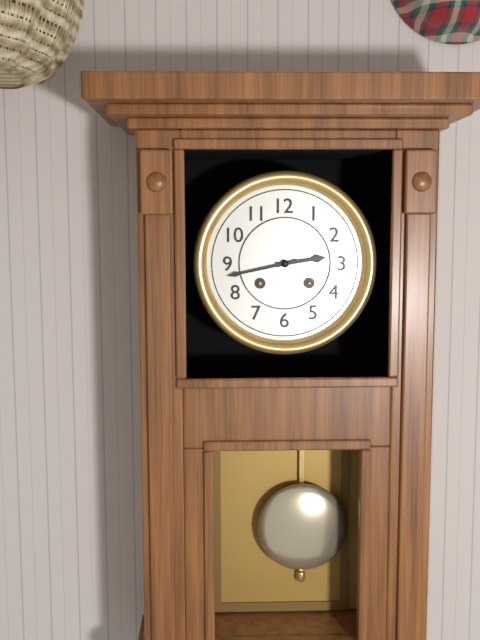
2:43
